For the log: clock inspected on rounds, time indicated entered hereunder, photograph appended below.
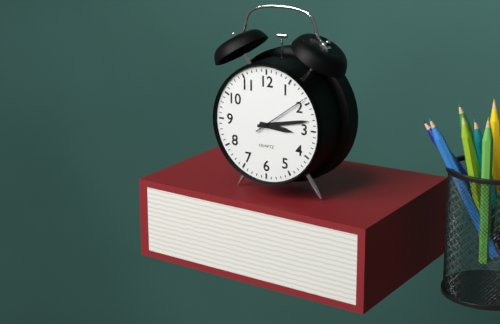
3:13:09
